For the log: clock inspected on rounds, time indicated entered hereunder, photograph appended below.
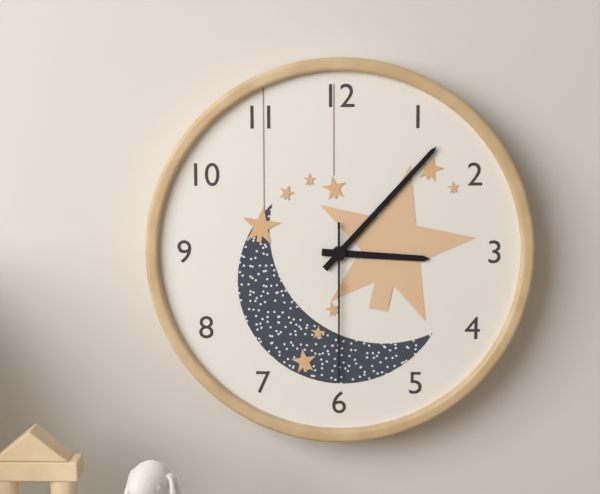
3:07:30
